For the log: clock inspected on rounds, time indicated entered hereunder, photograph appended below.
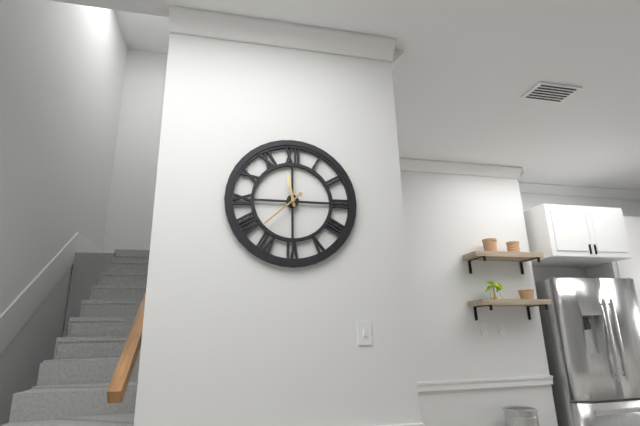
11:38
